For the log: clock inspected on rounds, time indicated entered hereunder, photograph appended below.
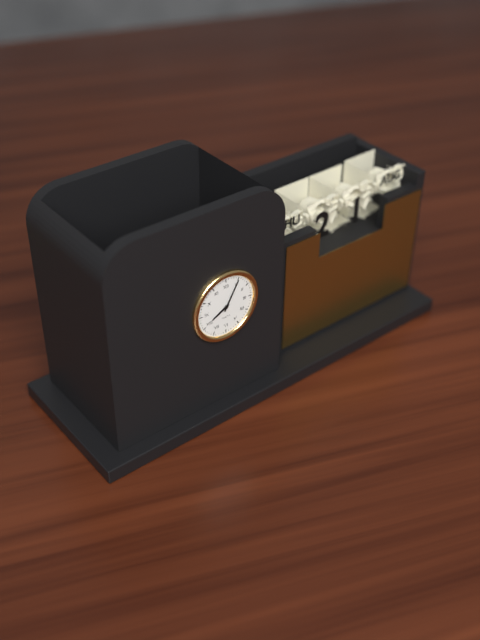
8:05
